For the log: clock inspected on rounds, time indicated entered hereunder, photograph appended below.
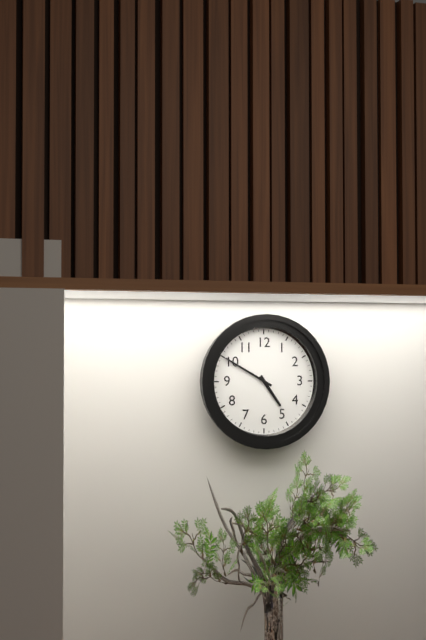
4:50
